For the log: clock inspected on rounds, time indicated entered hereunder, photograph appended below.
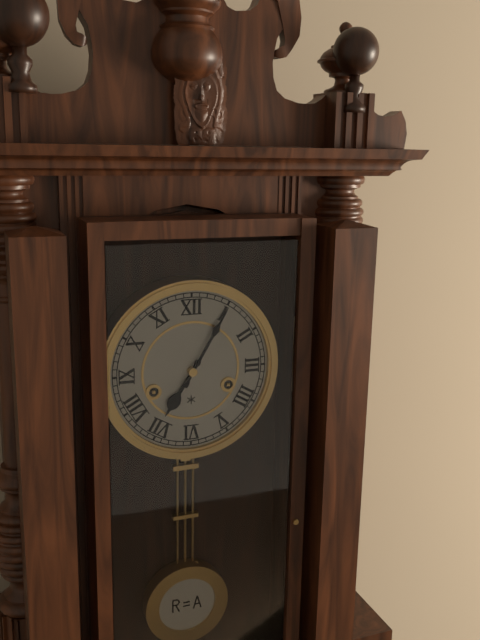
7:05
